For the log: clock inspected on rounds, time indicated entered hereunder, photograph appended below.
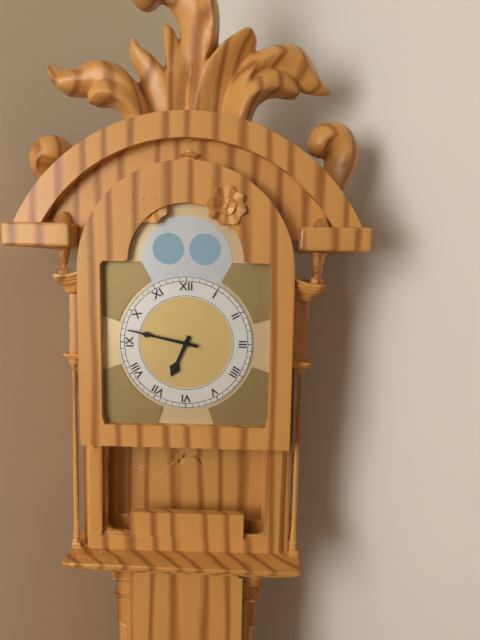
6:47
